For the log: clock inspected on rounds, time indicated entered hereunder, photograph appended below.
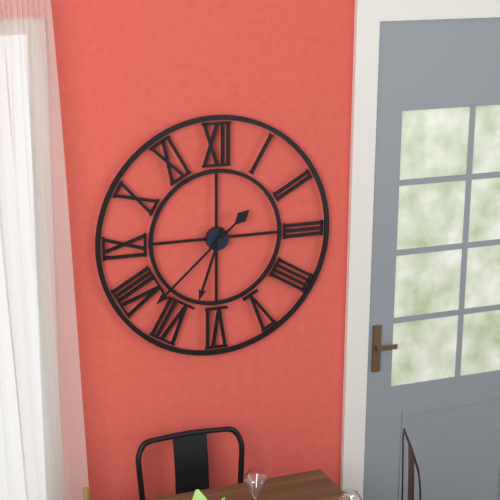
6:38
